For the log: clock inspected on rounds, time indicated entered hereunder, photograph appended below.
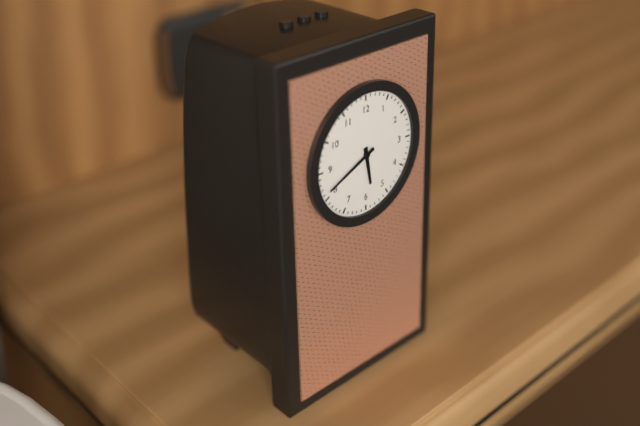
5:41
